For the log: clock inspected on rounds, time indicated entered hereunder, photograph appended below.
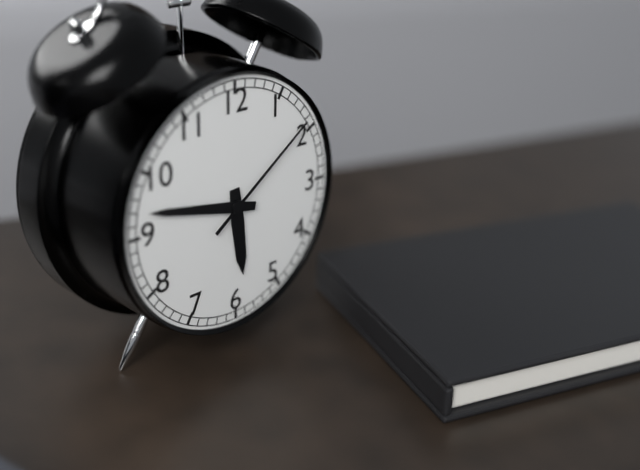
5:47:09
